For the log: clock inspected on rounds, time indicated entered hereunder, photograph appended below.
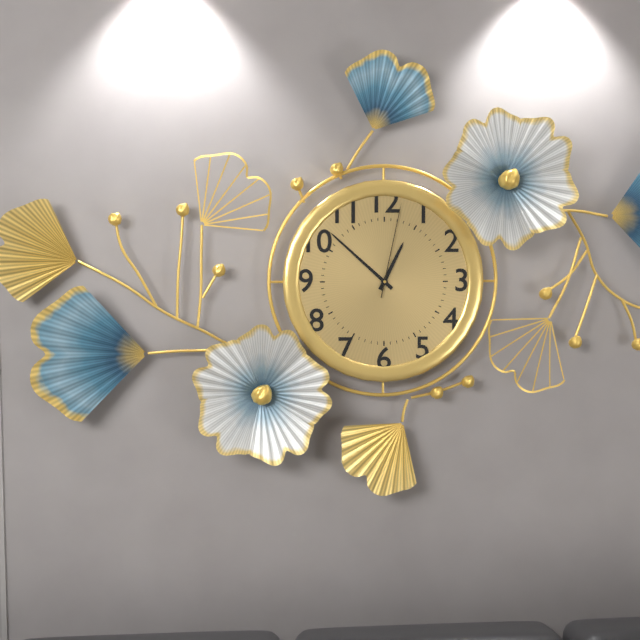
12:52:02
